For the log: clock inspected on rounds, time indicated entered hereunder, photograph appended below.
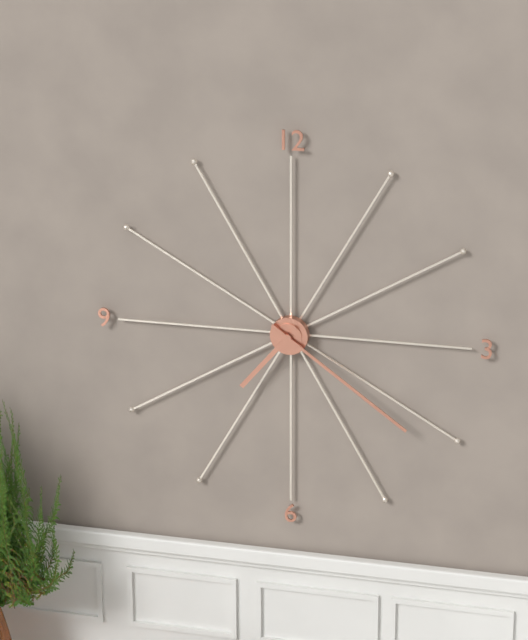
7:21
